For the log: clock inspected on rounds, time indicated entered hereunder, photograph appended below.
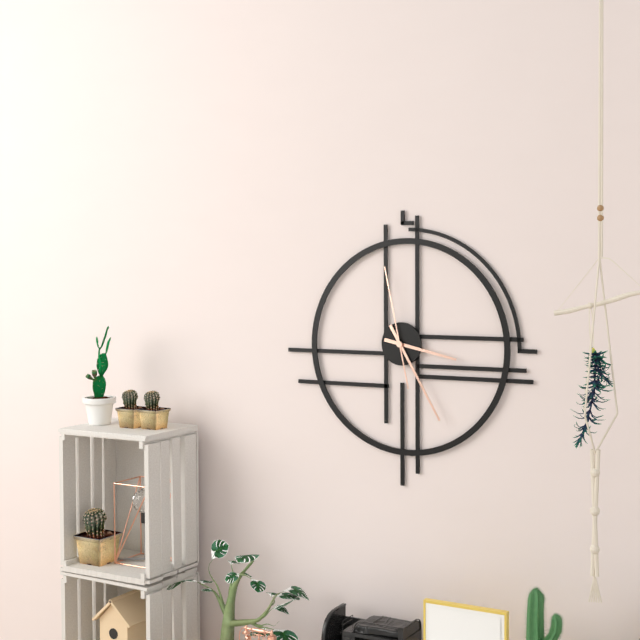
3:25:58
